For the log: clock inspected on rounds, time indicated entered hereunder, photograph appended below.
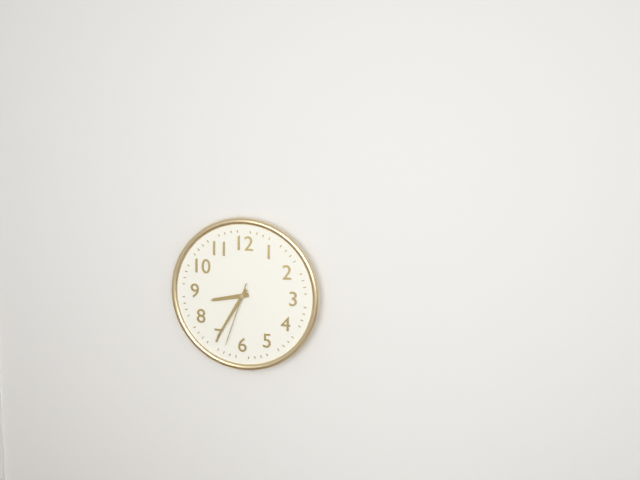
8:35:33
